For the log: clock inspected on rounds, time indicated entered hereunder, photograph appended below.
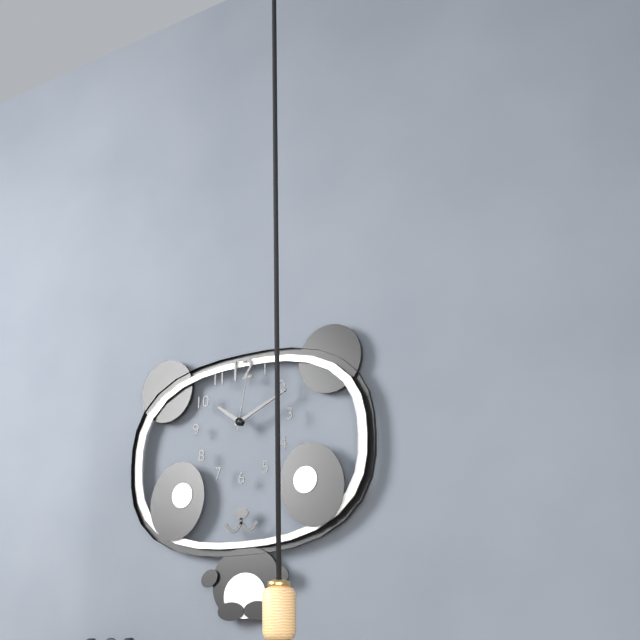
10:11:02
